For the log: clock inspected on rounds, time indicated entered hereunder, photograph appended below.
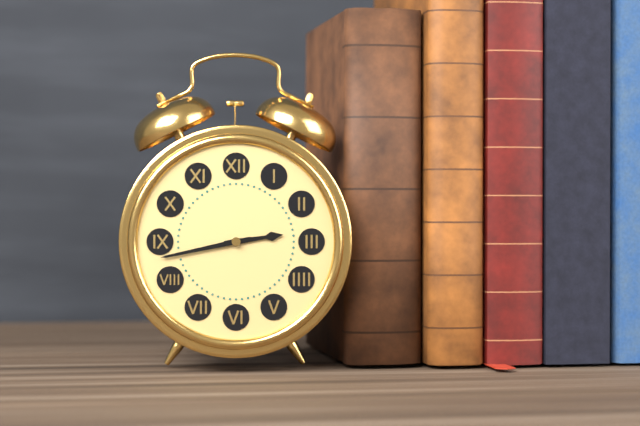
2:43
